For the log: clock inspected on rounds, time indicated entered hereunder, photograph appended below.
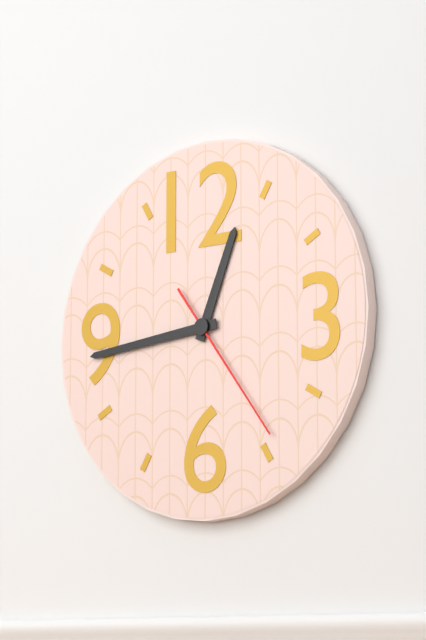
12:44:24
